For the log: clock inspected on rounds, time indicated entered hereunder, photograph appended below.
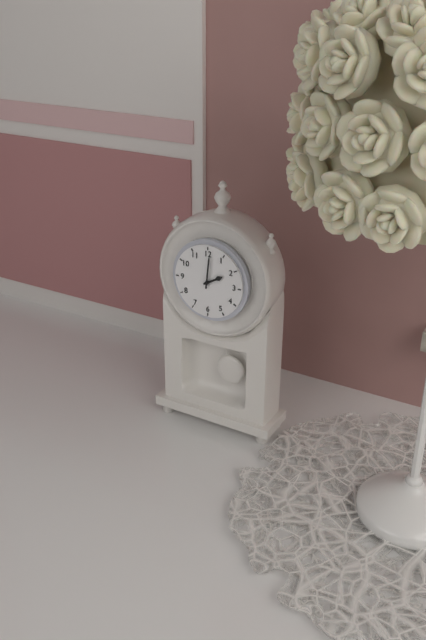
2:01
